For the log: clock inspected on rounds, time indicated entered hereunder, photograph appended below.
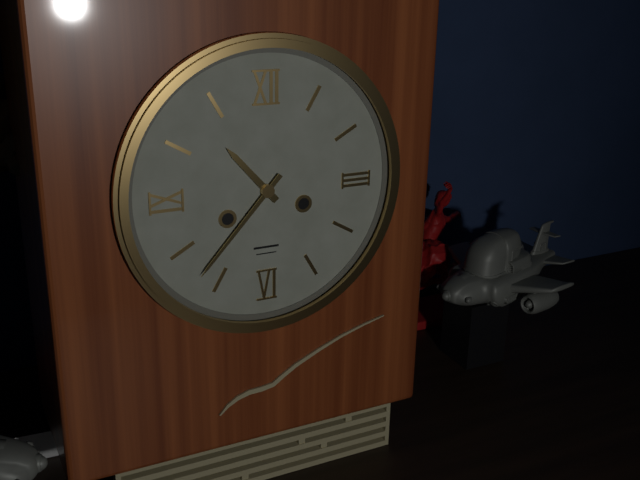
10:37
